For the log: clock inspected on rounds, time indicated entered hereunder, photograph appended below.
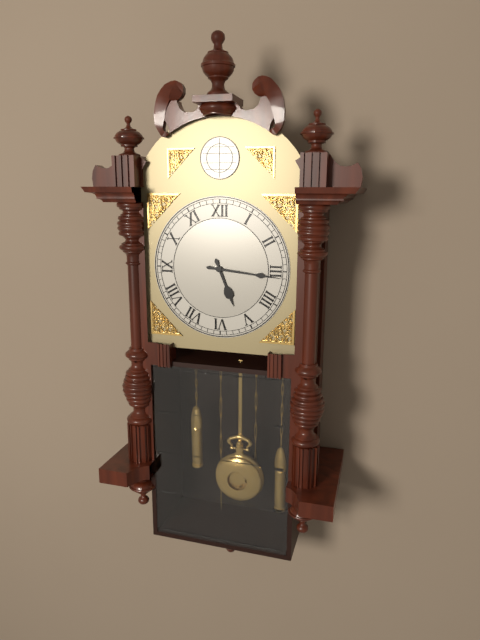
5:16
